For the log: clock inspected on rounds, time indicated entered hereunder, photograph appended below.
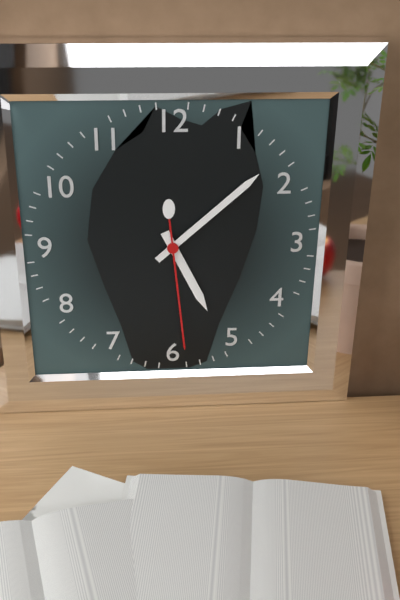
5:08:29
